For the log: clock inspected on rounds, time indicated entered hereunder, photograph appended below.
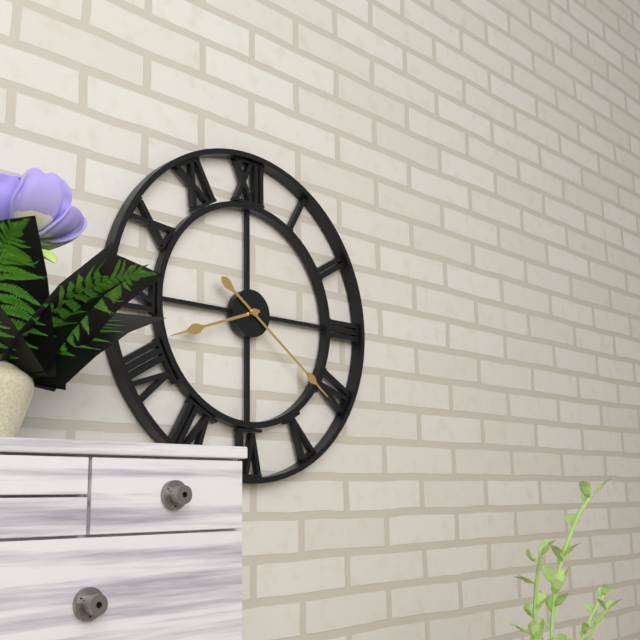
8:21
